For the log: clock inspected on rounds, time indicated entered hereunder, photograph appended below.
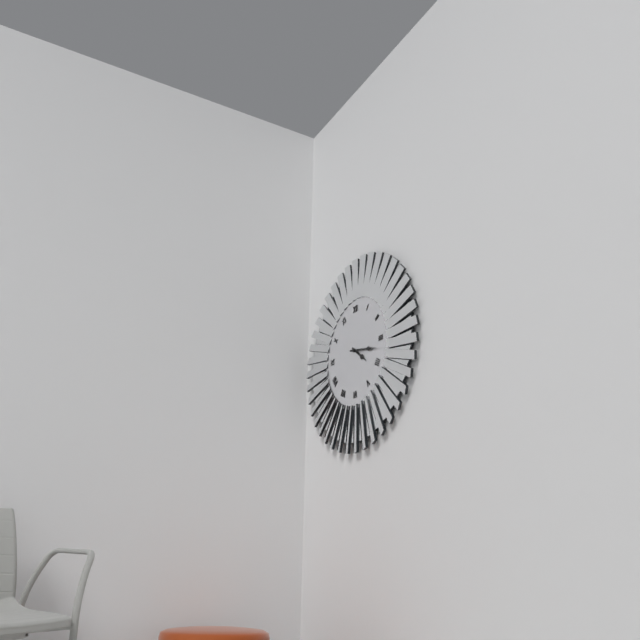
4:17
